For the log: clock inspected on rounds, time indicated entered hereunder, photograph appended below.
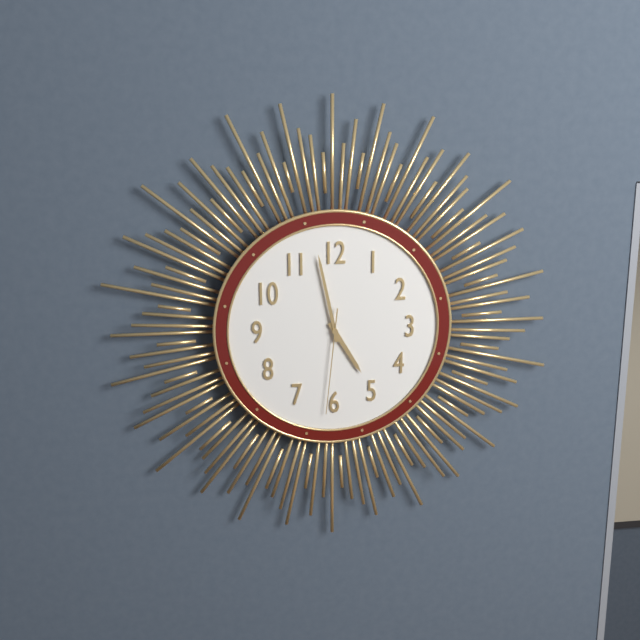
4:58:31
